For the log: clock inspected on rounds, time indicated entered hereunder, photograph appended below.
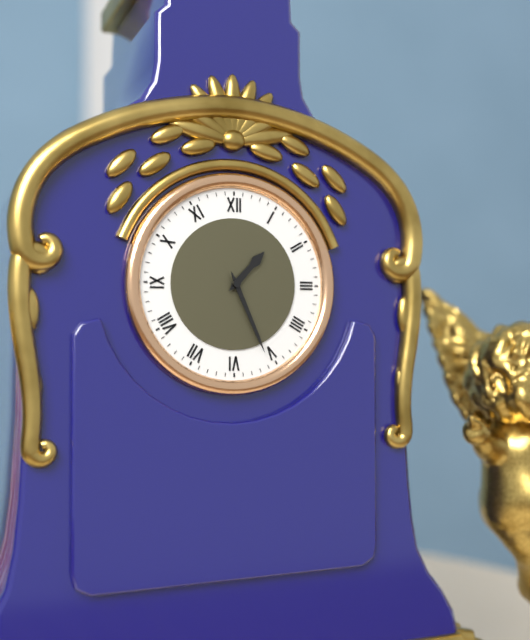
1:26
